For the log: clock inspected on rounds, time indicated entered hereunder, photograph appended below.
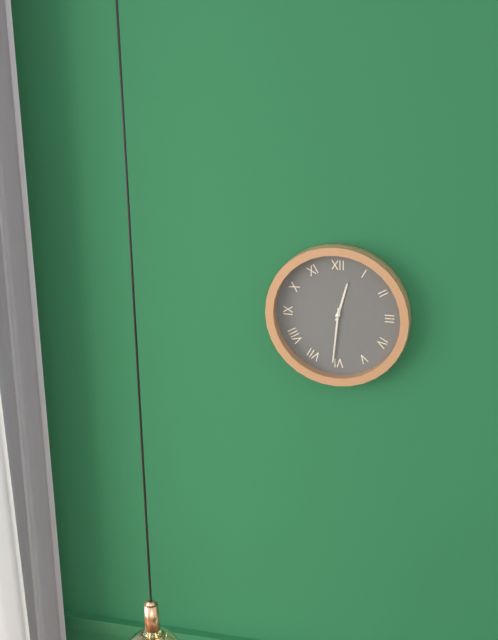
12:31
